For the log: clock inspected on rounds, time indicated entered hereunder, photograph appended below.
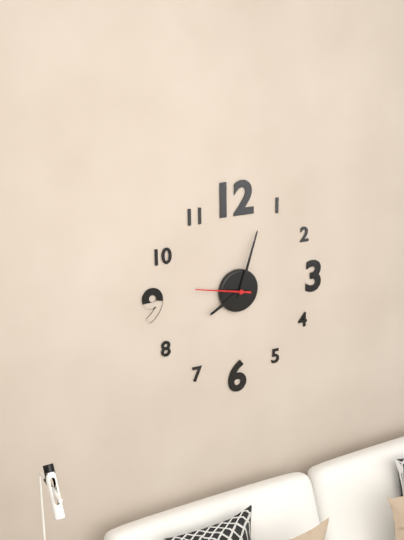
8:03:47
